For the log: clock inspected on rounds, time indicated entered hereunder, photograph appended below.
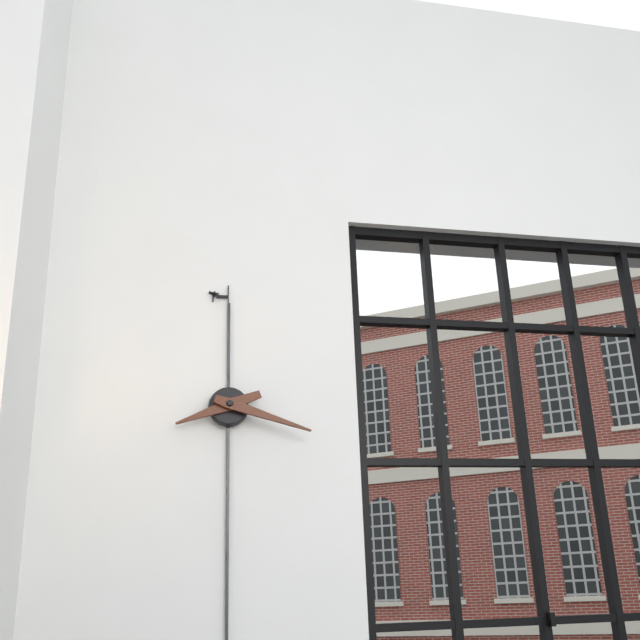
8:18
